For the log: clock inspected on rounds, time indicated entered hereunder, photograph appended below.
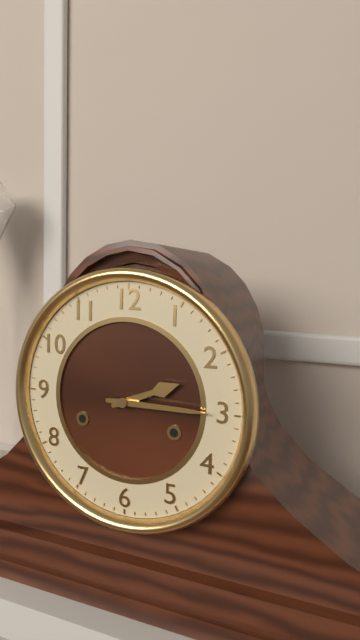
2:15
